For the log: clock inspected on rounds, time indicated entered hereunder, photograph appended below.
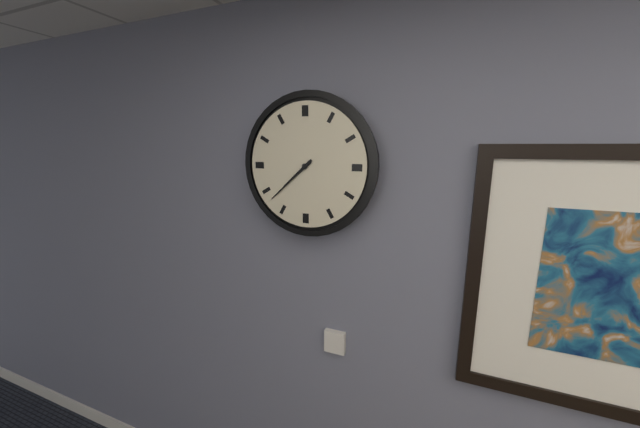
7:38
